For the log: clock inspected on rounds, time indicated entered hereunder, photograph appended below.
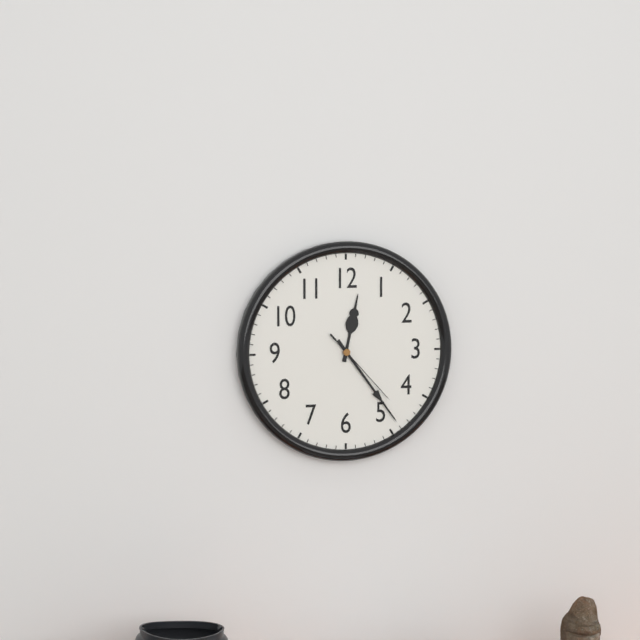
12:24:23
